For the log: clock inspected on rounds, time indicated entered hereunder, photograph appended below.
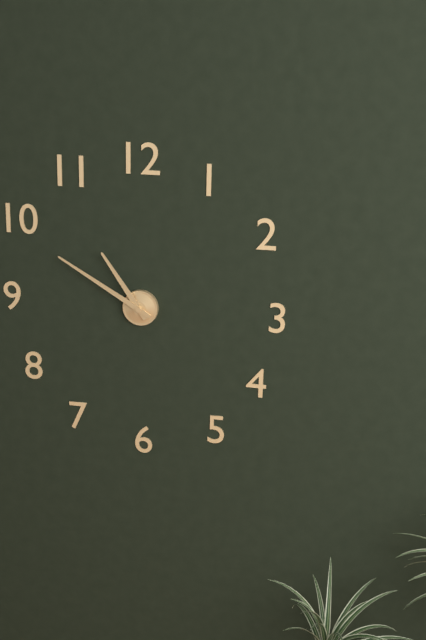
10:50
